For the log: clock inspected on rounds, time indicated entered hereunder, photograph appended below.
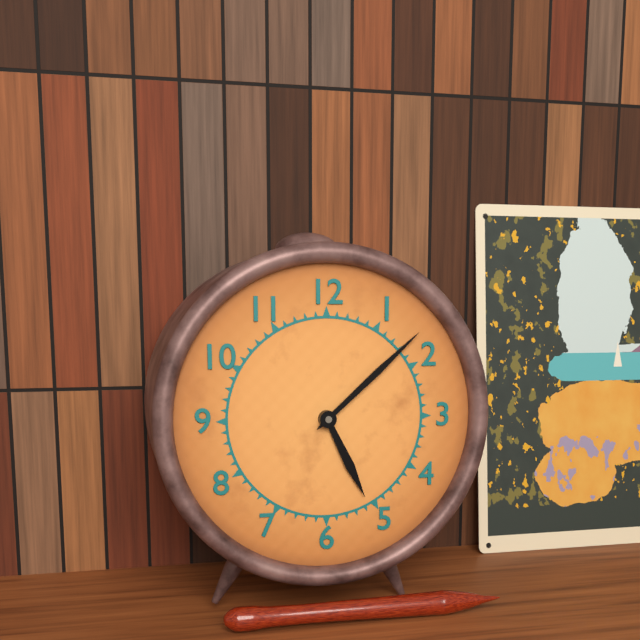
5:08
